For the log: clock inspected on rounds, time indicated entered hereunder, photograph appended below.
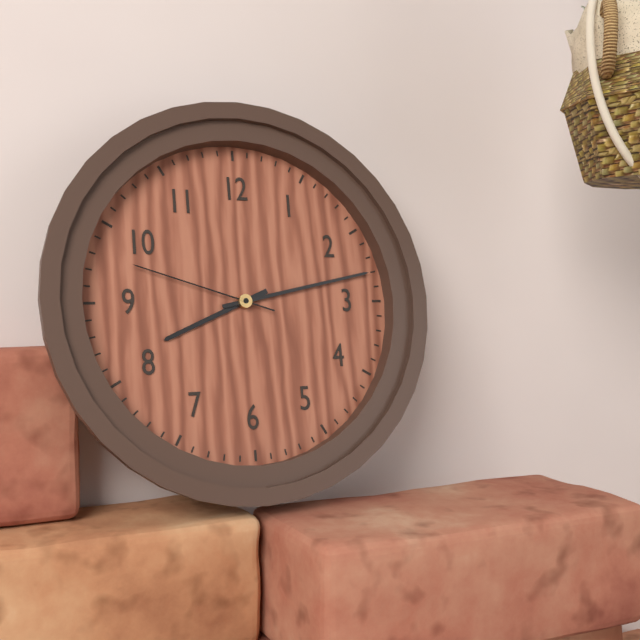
8:13:48
